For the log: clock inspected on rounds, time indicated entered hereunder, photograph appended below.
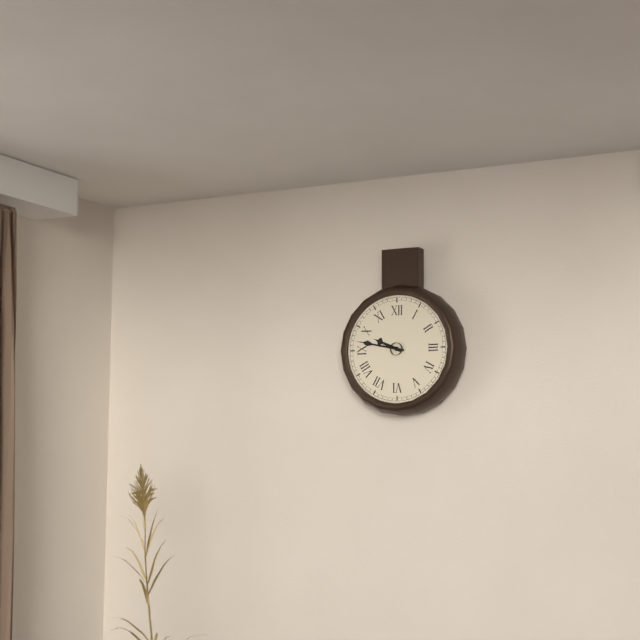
9:47
